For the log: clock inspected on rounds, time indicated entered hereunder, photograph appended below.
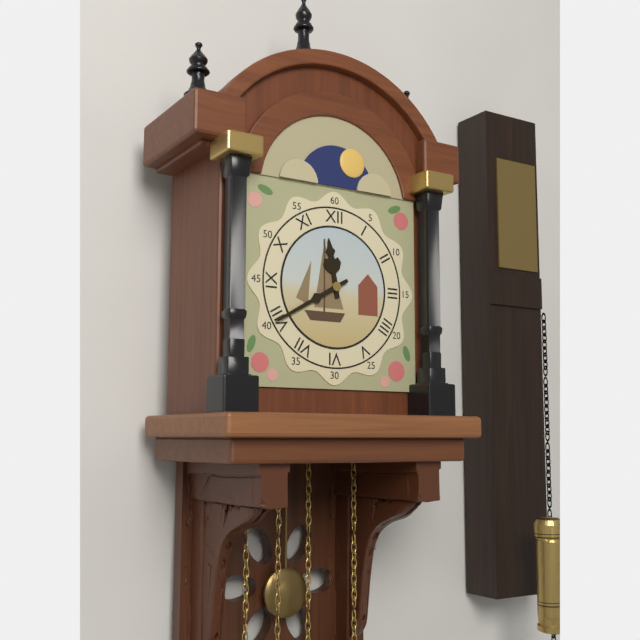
11:40
